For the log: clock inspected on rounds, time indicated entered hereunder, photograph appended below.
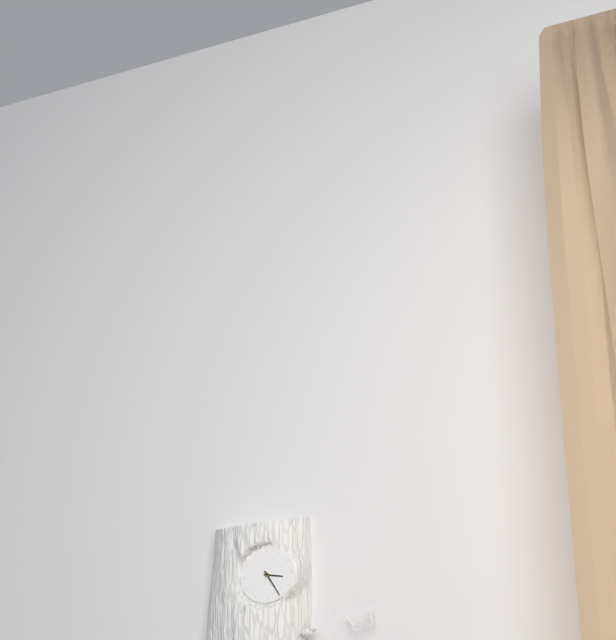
3:25
